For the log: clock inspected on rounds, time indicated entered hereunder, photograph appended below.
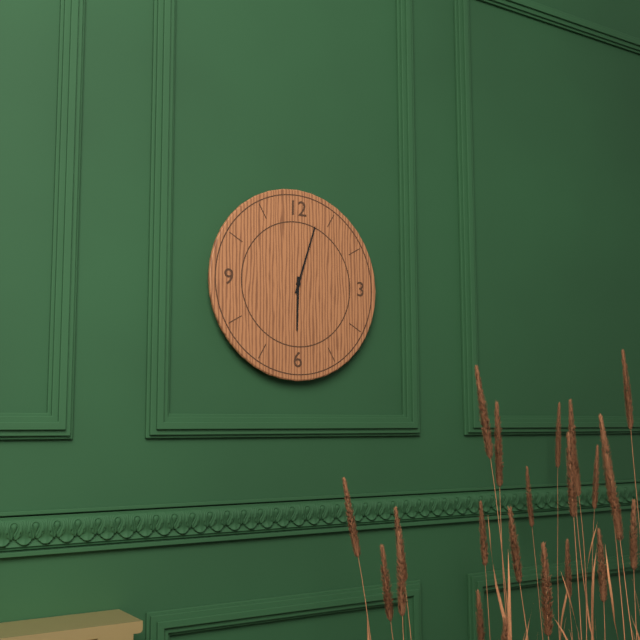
6:03
